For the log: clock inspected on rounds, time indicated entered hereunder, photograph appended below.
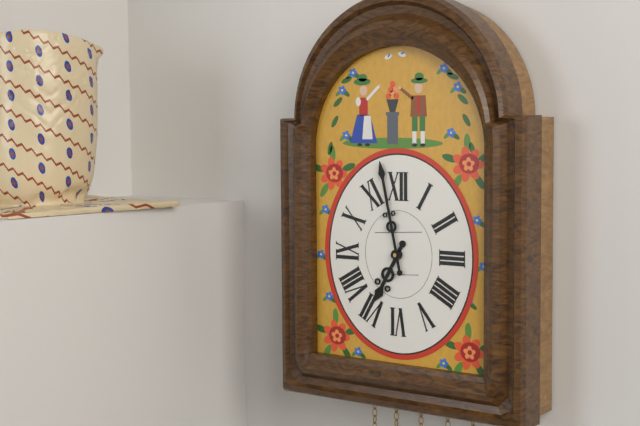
6:58
